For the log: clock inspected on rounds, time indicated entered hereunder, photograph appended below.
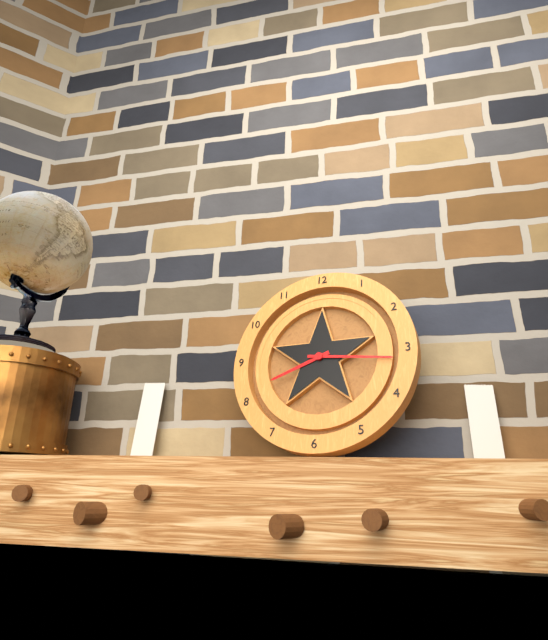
8:16
